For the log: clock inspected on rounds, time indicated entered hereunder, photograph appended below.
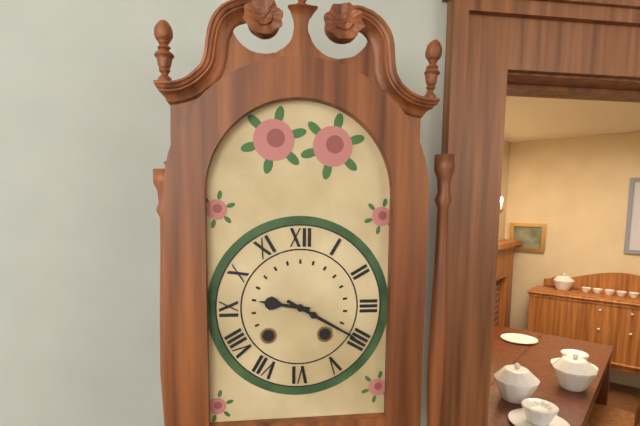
9:20
